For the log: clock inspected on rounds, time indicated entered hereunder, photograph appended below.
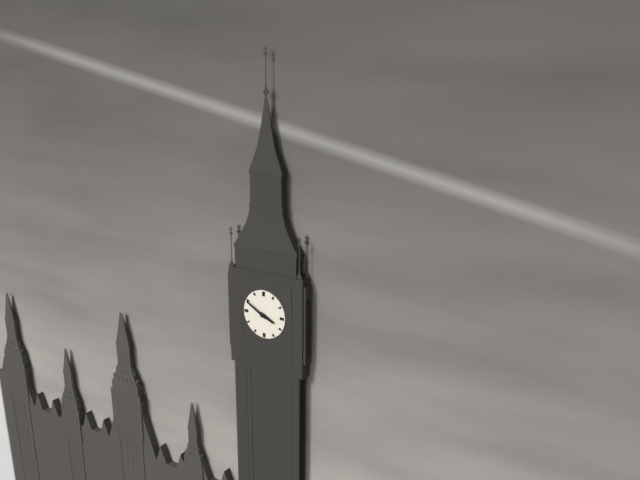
3:50
